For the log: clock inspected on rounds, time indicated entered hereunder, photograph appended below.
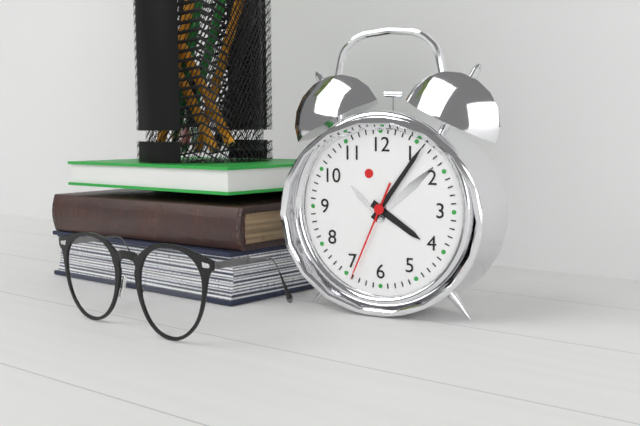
4:06:34
